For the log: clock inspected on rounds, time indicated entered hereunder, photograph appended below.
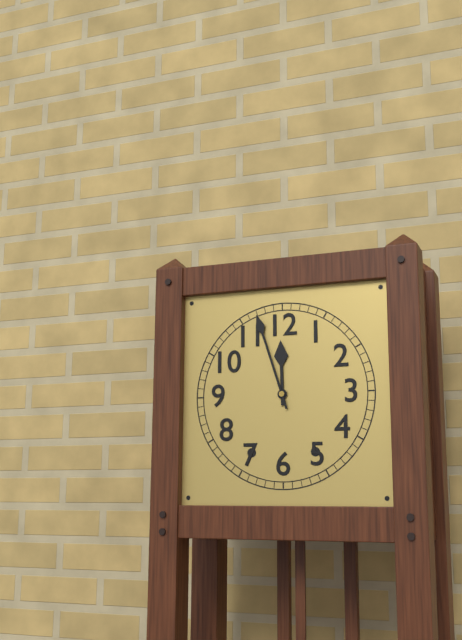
11:57
